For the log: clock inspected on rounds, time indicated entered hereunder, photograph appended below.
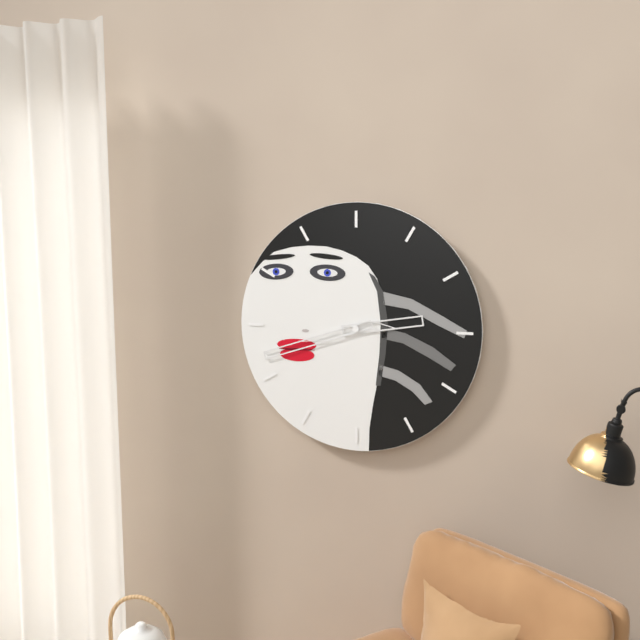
2:42
